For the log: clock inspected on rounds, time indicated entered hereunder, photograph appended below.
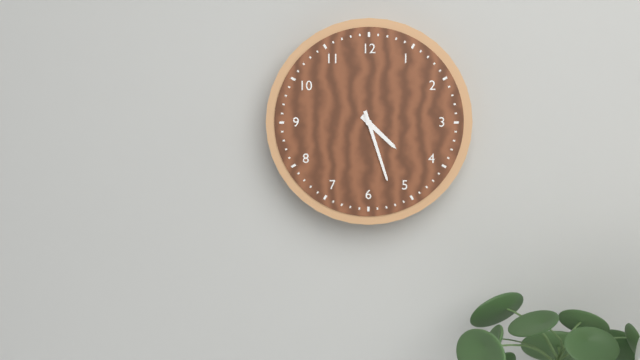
4:27
